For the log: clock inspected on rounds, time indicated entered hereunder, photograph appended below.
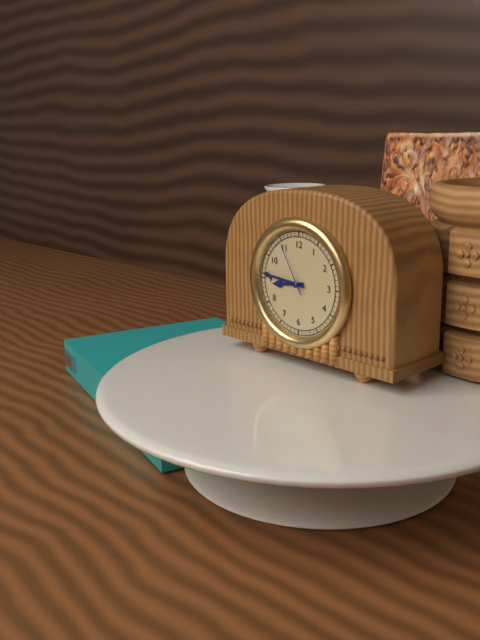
8:46:55
